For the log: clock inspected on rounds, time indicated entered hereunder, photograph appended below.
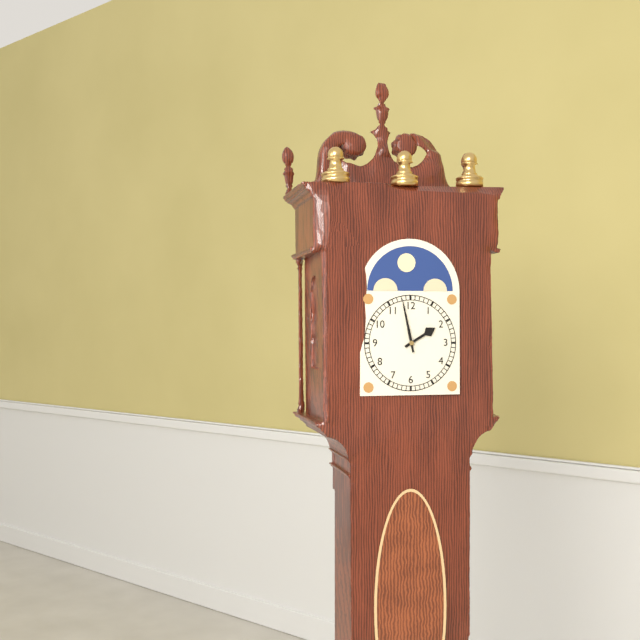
1:58
